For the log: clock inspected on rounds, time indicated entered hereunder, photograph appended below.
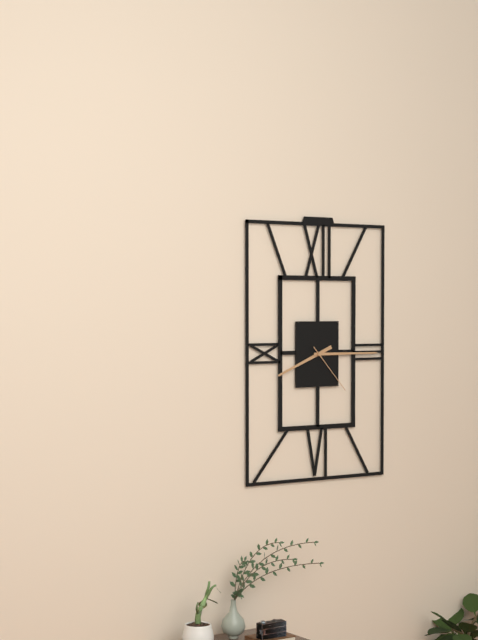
8:15:23
